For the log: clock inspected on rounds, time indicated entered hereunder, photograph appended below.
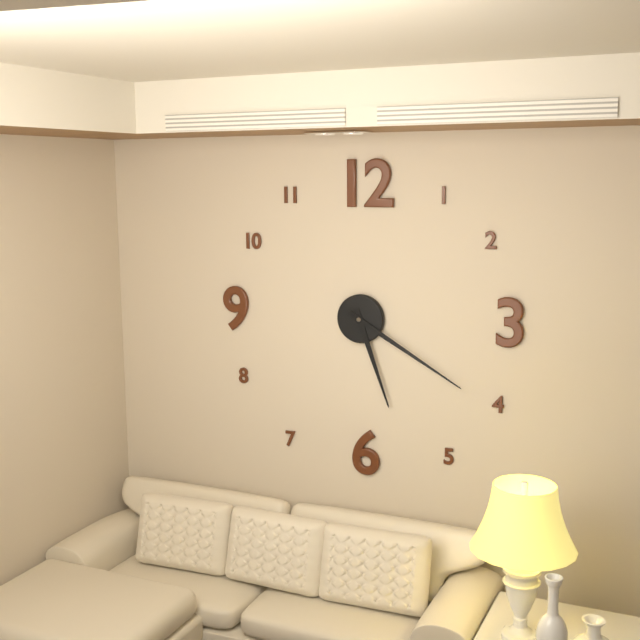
5:20
